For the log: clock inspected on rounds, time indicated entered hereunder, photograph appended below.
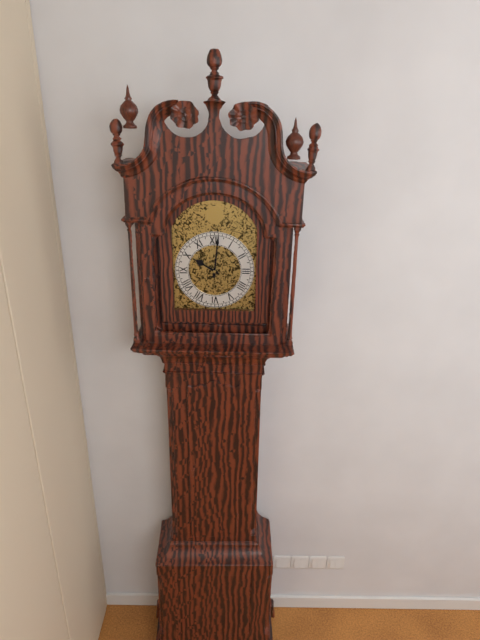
10:01
